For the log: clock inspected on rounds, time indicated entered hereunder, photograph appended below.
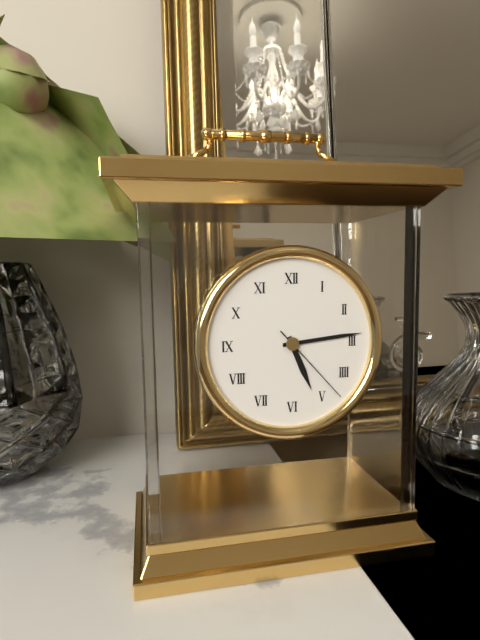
5:14:23
